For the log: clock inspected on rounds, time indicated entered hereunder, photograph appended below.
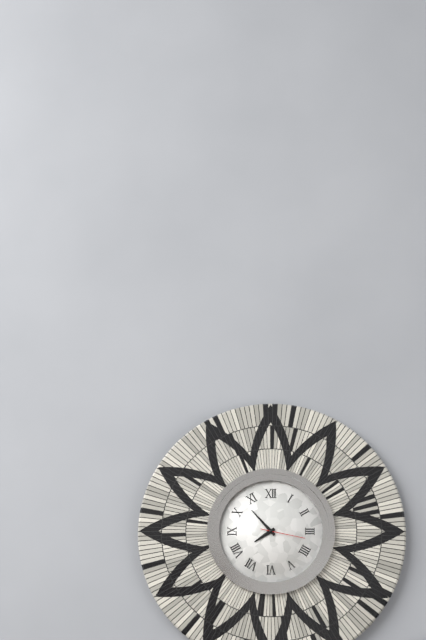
7:53
